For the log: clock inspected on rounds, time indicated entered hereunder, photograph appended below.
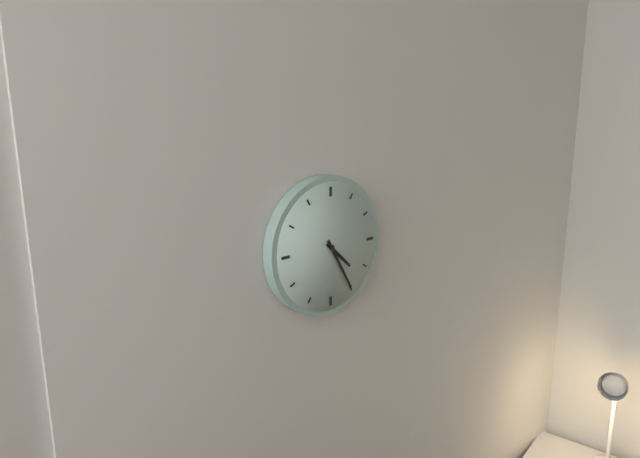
4:25
